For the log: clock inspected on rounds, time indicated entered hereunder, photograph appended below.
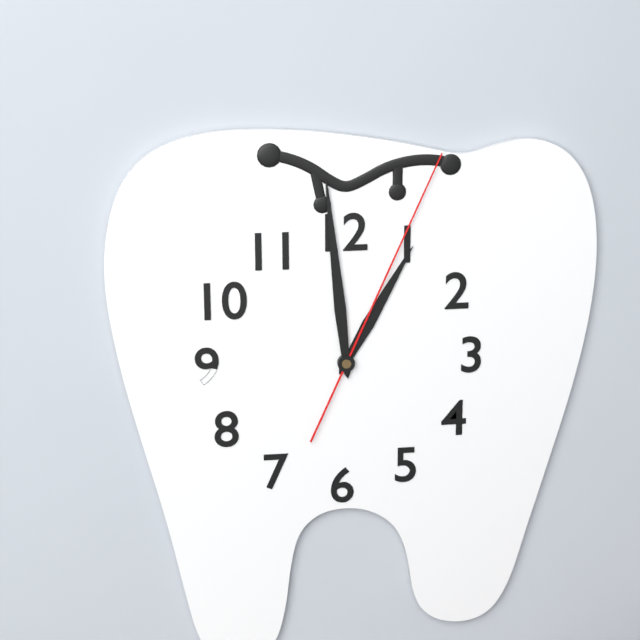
12:59:04
